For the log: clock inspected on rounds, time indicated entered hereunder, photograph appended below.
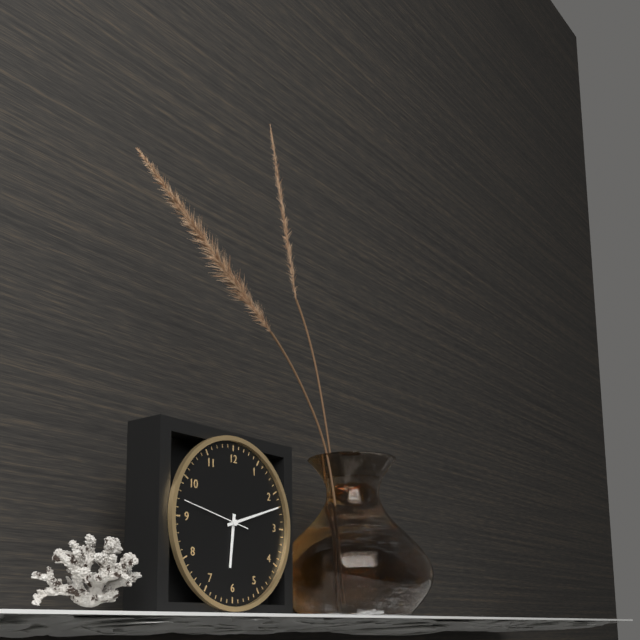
6:12:47
